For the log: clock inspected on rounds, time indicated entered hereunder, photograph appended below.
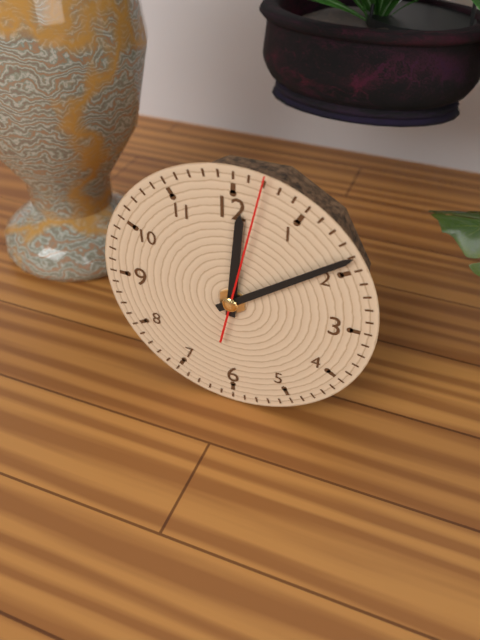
12:09:02
